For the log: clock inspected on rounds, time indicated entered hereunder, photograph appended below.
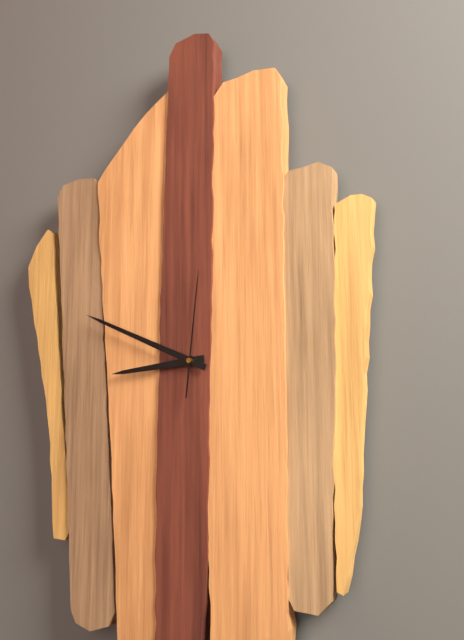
8:49:01
